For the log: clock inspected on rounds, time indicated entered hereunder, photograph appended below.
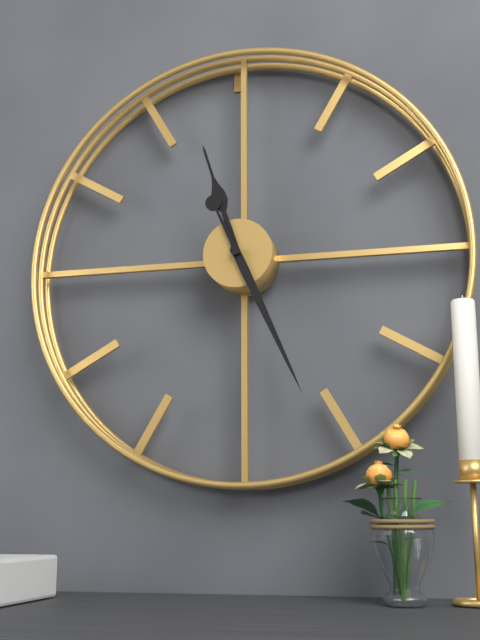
11:26
